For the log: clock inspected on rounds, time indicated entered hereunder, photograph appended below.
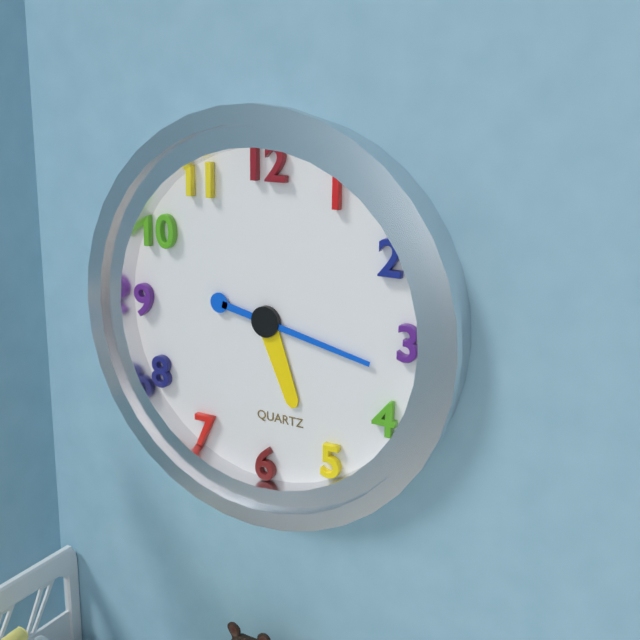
5:17
